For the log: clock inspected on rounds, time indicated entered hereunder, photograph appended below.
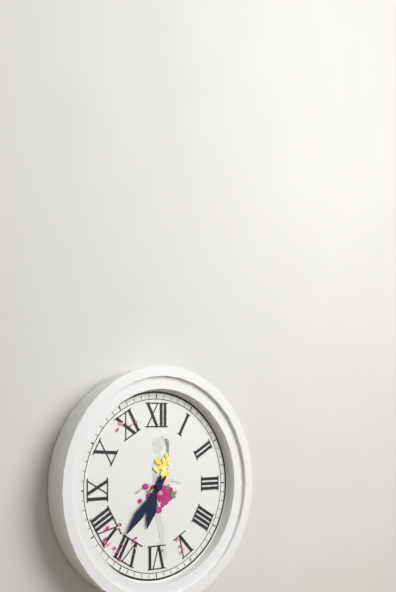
6:37
